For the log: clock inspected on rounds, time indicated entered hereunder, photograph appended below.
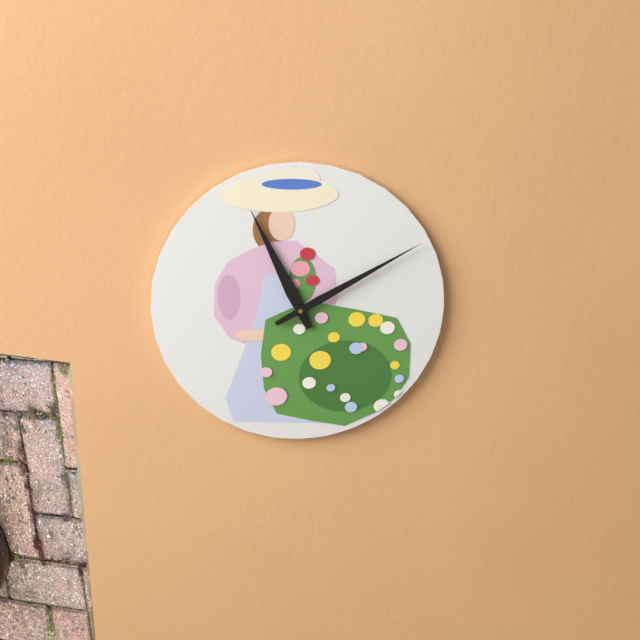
11:10
